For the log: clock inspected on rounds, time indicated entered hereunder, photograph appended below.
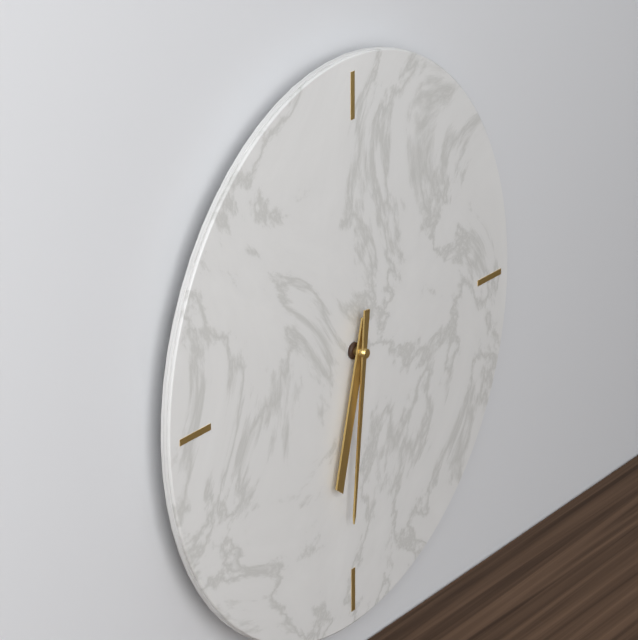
6:31
